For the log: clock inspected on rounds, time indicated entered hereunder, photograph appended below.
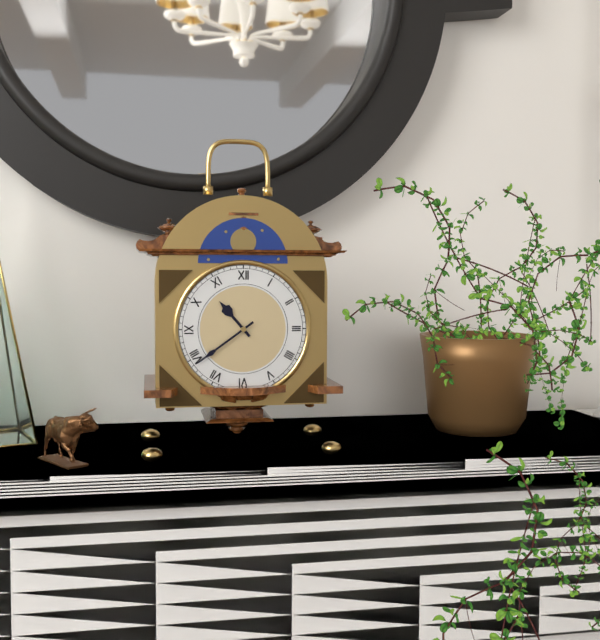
10:39
